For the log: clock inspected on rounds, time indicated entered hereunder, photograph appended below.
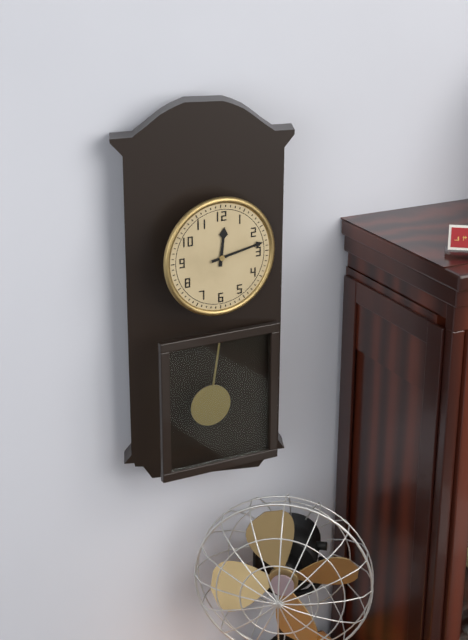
12:13
